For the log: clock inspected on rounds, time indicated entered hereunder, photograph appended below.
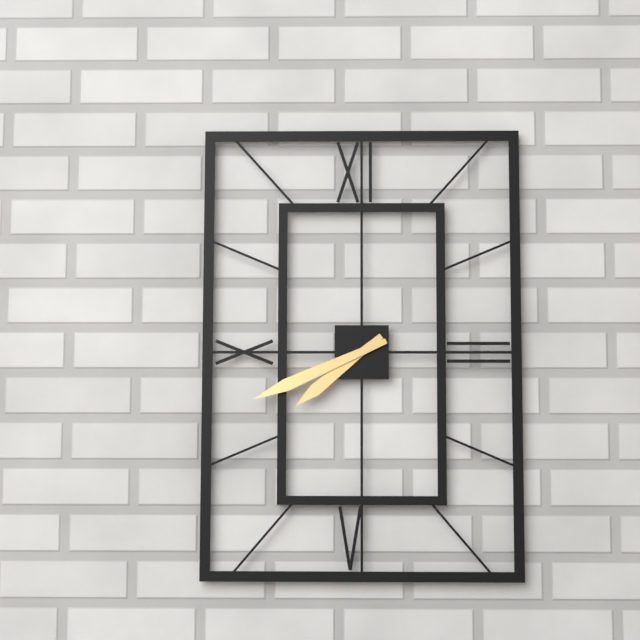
7:41
